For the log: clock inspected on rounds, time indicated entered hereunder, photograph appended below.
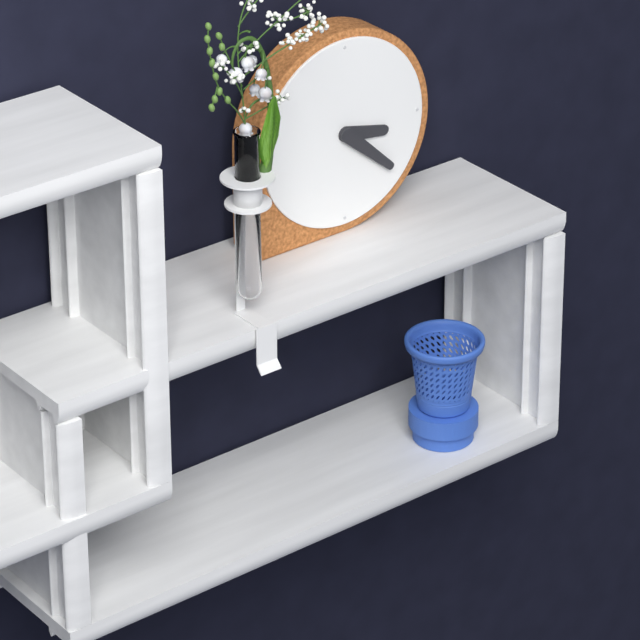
3:22
